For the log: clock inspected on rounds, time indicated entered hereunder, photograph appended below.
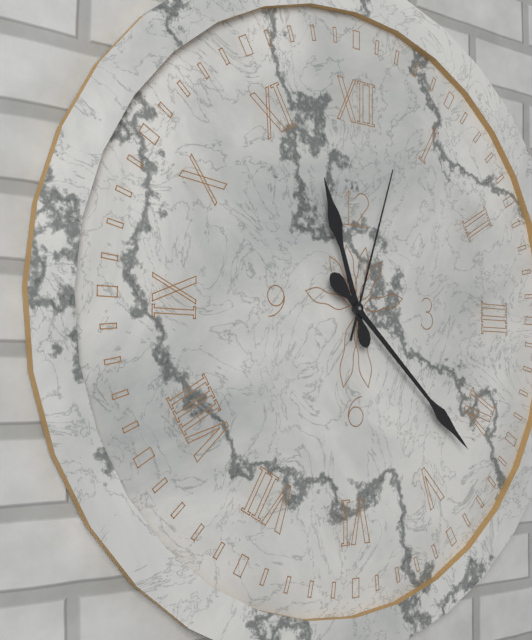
11:22:03
